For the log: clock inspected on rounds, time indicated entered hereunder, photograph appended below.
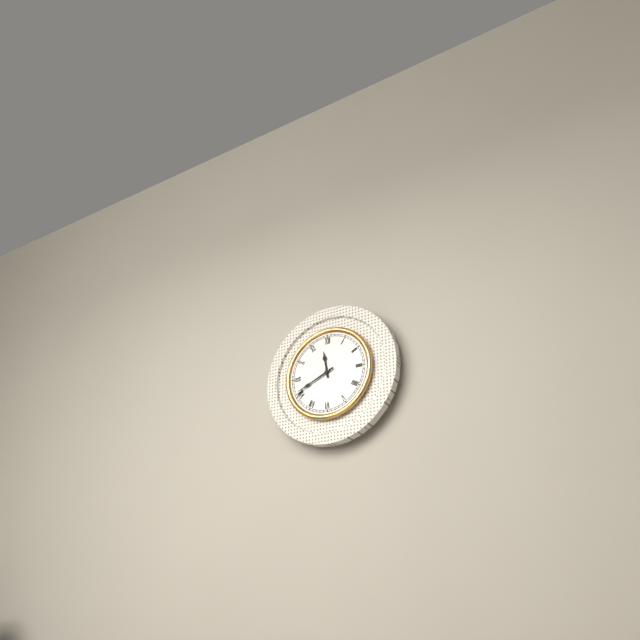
11:41
